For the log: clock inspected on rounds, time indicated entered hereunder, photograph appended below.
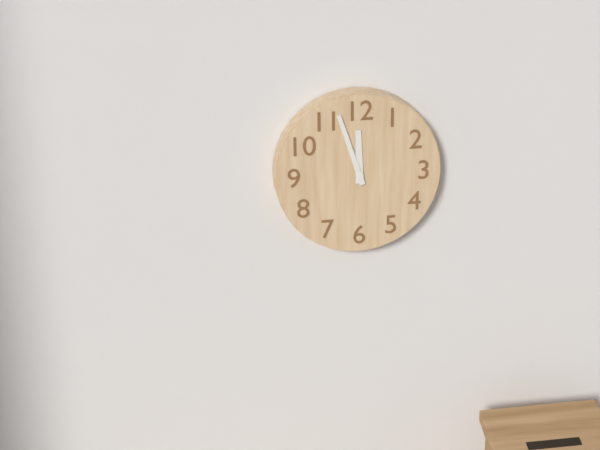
11:57
